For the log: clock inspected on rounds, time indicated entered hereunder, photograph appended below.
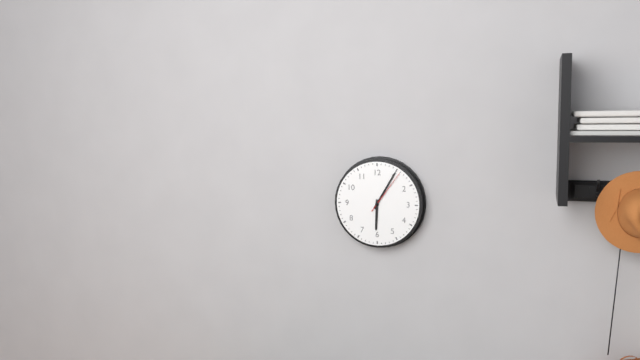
6:05
